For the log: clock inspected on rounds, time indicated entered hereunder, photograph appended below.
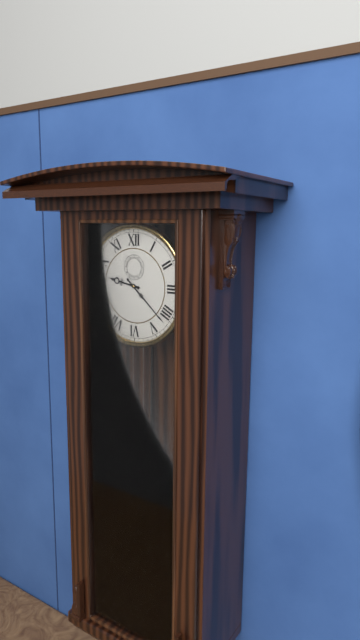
9:22
